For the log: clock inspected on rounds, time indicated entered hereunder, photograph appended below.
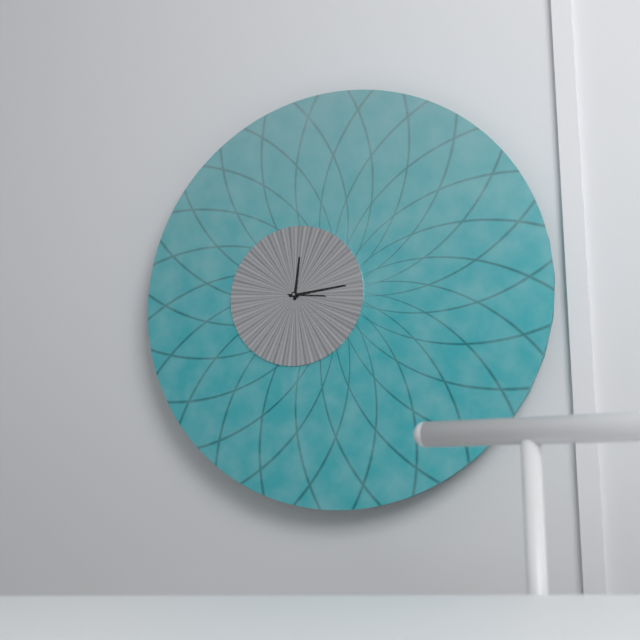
12:14
